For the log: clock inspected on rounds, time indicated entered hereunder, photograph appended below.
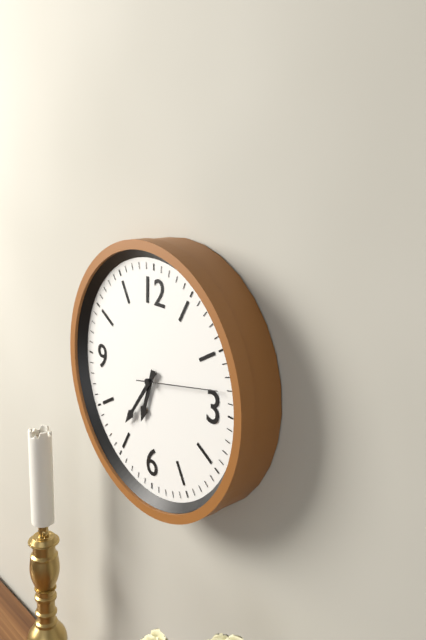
6:36:13
